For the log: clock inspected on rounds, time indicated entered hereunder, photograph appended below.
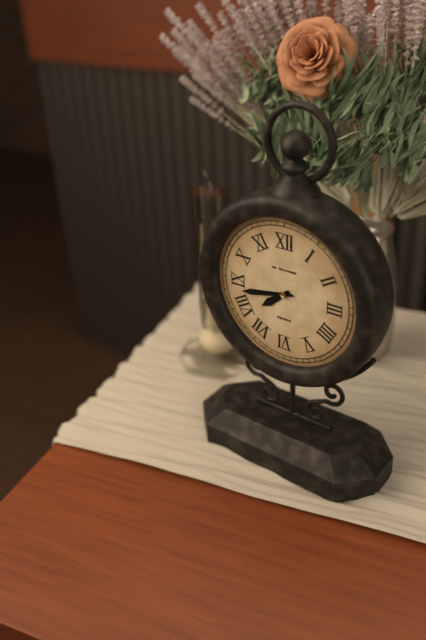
7:43
